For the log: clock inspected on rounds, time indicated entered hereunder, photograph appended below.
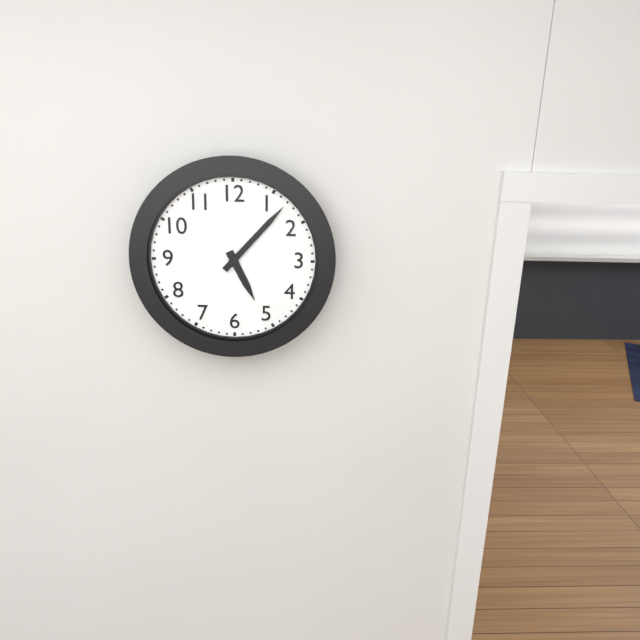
5:07
